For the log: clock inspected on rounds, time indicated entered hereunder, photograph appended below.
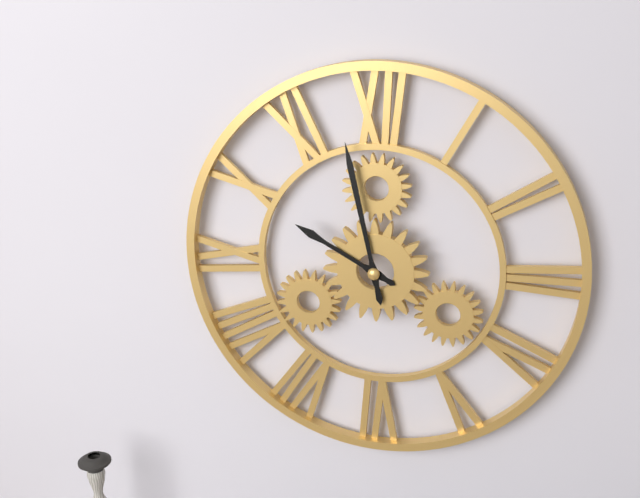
9:58
